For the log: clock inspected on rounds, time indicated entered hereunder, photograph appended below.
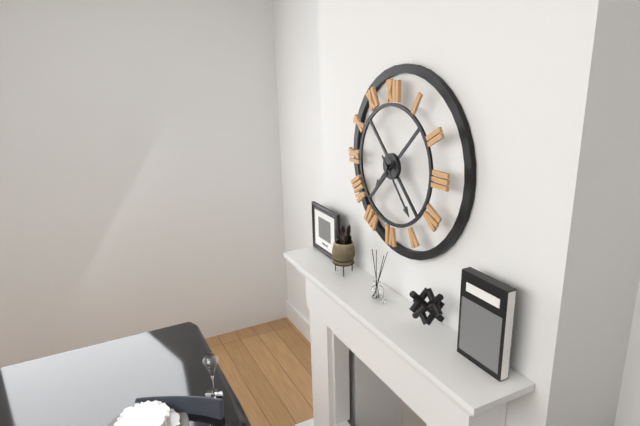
7:23
